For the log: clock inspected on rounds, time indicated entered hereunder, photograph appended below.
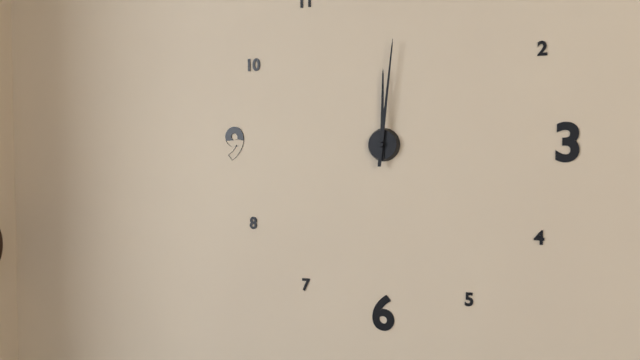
12:01
